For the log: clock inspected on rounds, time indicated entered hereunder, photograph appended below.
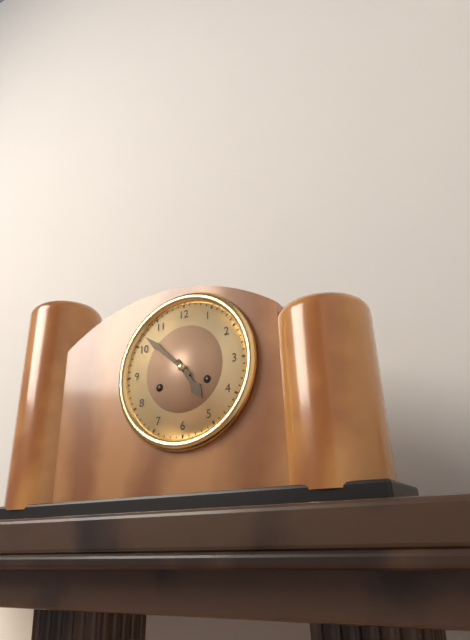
4:52
